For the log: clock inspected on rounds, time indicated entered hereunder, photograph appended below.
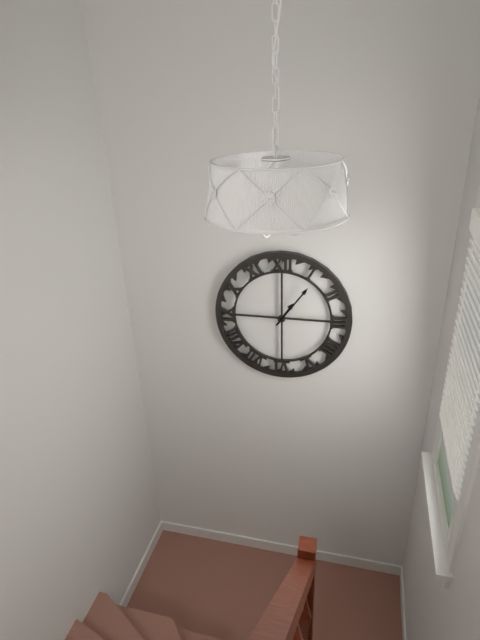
1:06
